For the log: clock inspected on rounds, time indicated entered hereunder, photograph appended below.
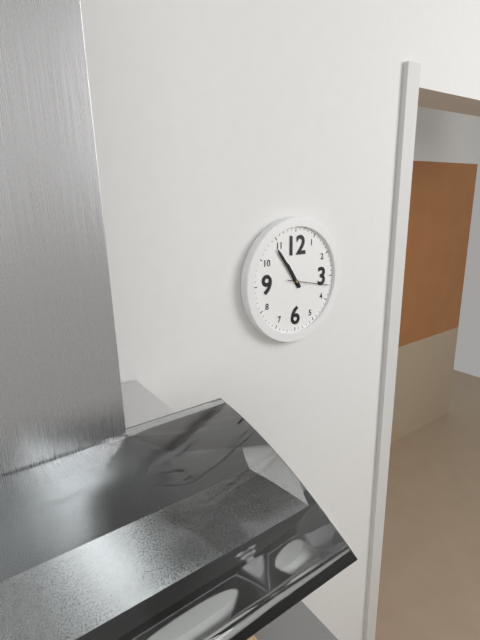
10:54
